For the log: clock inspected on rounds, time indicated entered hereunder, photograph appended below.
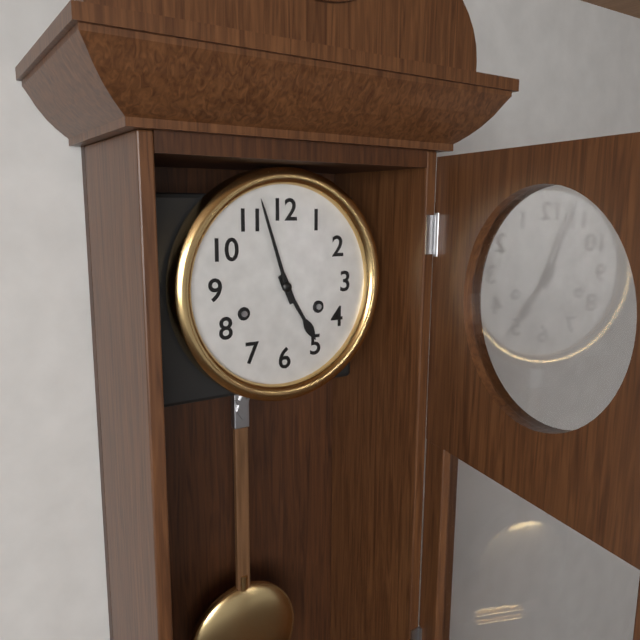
4:57
